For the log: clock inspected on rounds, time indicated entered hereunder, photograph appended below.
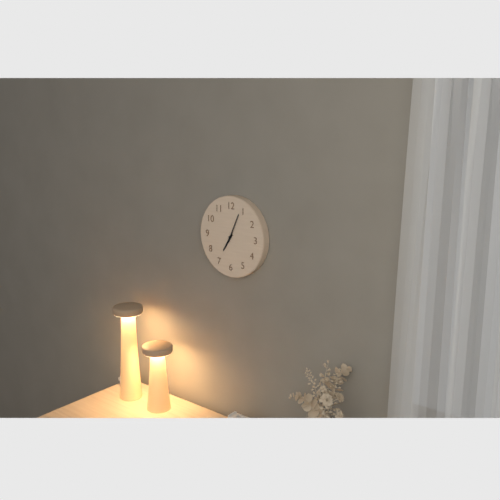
7:04
